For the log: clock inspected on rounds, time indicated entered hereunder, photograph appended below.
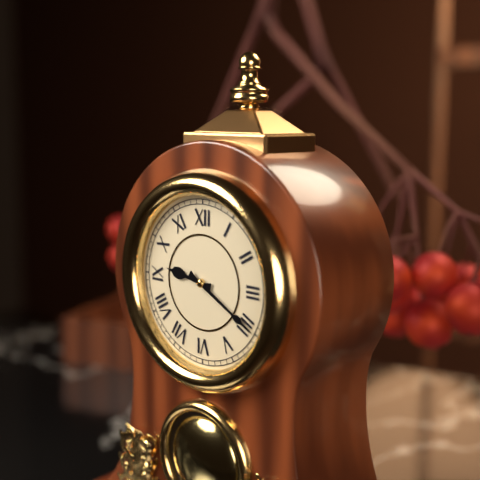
9:20
